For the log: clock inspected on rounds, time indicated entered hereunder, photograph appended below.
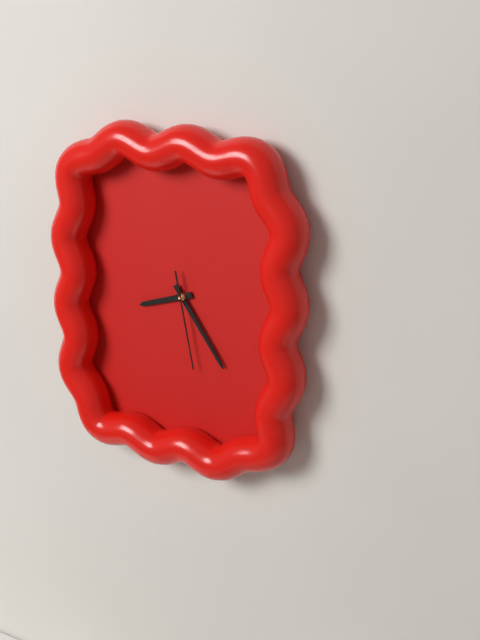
8:24:28
